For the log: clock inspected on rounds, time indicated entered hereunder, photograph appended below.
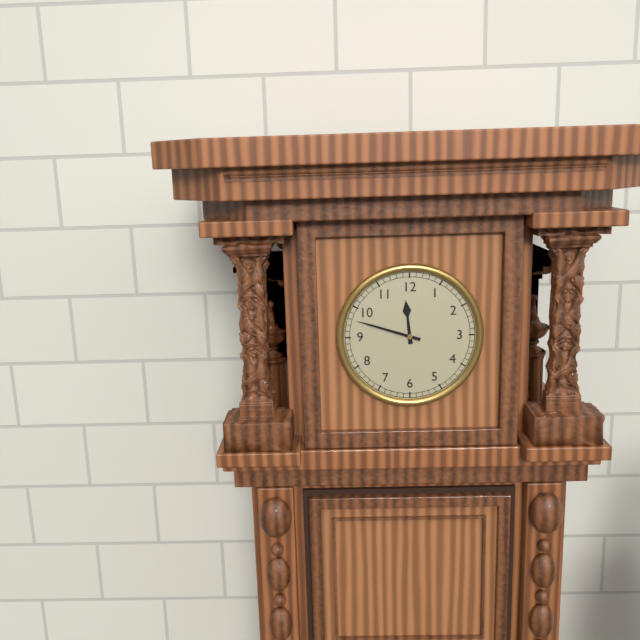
11:48
